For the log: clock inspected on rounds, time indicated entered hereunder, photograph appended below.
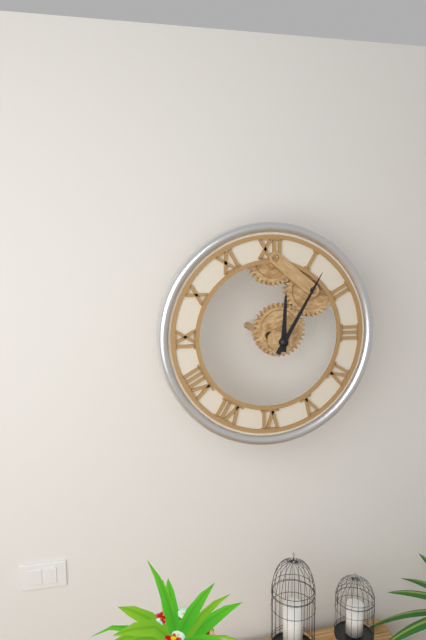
12:05
